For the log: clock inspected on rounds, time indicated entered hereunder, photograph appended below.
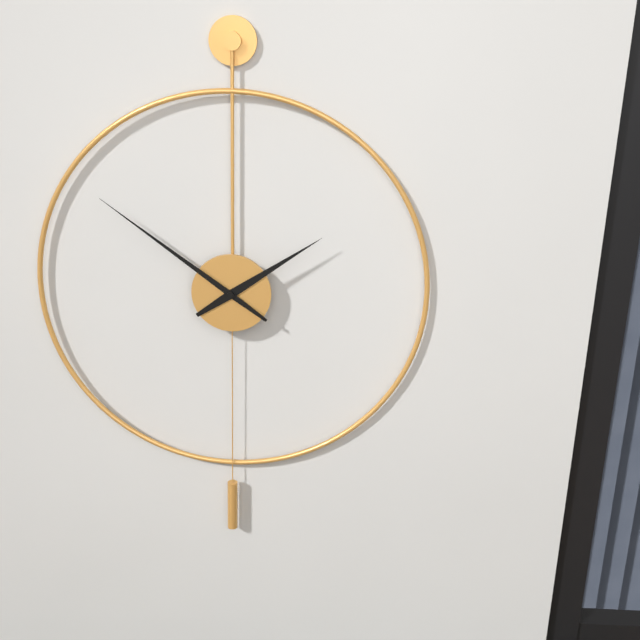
1:51
